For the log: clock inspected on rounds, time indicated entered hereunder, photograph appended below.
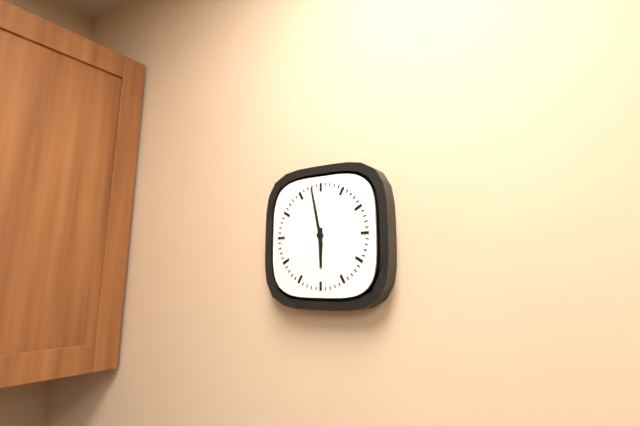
5:58
